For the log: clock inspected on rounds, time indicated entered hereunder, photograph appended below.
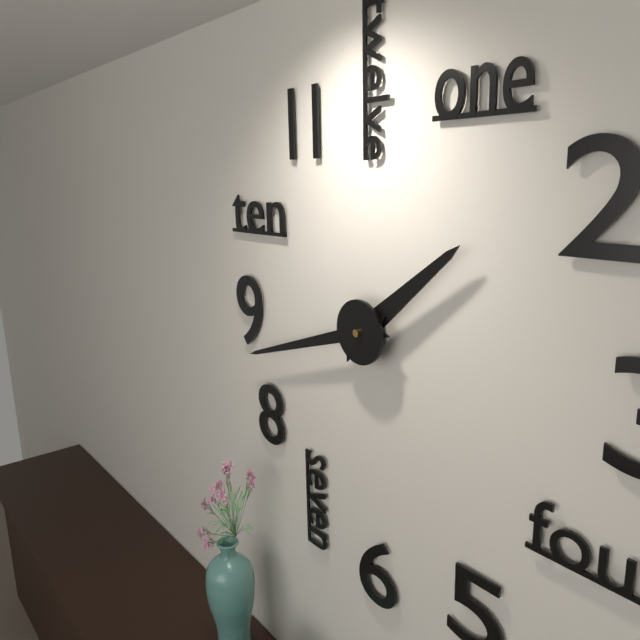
1:42
